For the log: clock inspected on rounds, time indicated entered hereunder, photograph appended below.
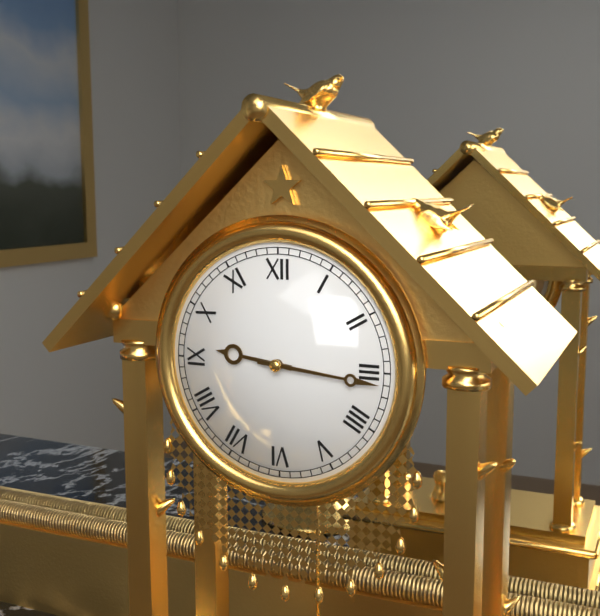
9:16
